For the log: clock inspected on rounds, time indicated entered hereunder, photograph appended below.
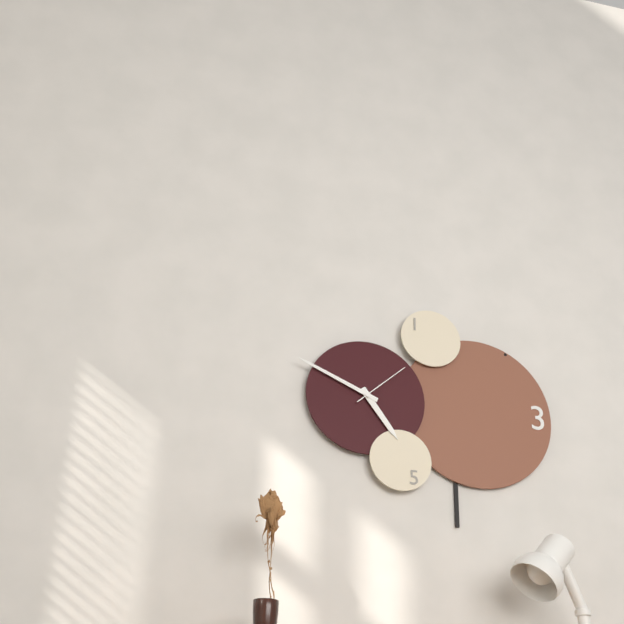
4:49:08
